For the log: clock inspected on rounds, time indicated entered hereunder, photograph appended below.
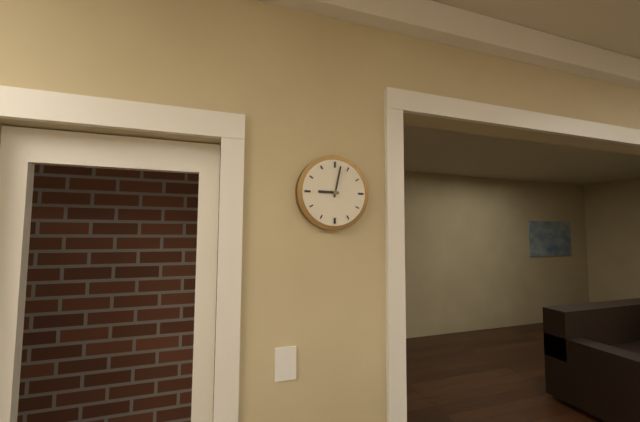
9:02
